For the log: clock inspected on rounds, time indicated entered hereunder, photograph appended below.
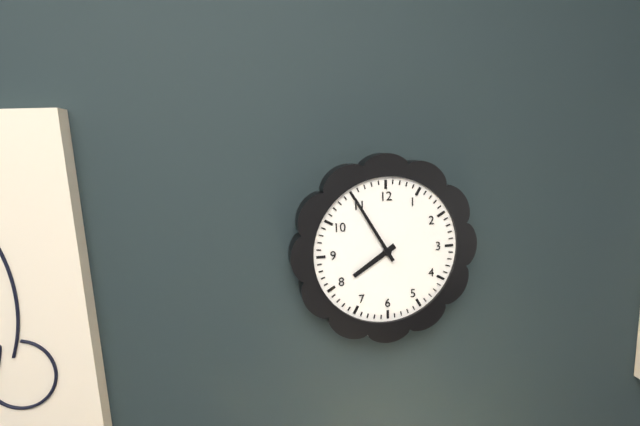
7:55
